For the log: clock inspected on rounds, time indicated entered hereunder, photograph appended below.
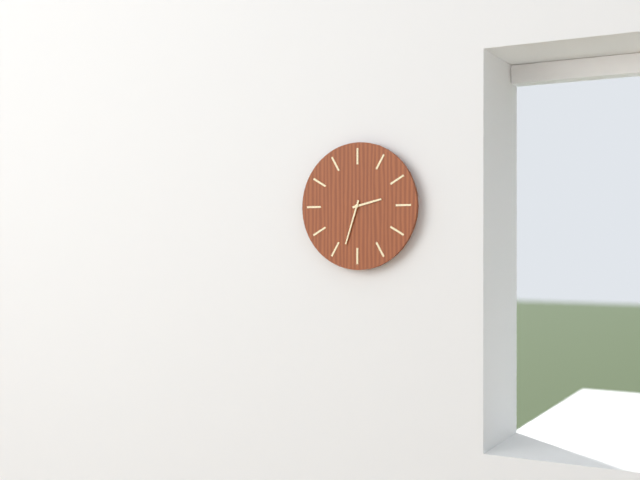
2:33
